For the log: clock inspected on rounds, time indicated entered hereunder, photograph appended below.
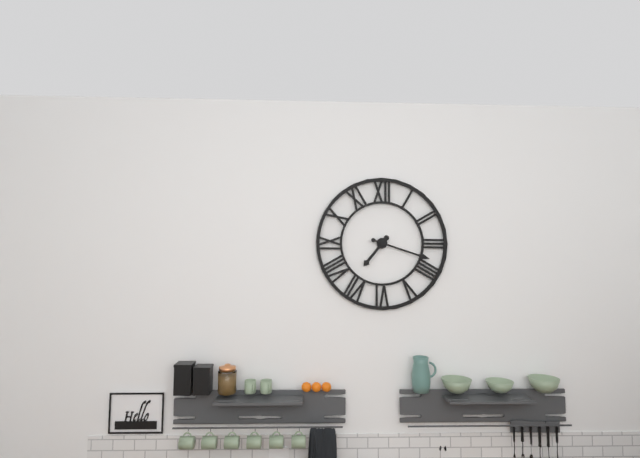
7:18
